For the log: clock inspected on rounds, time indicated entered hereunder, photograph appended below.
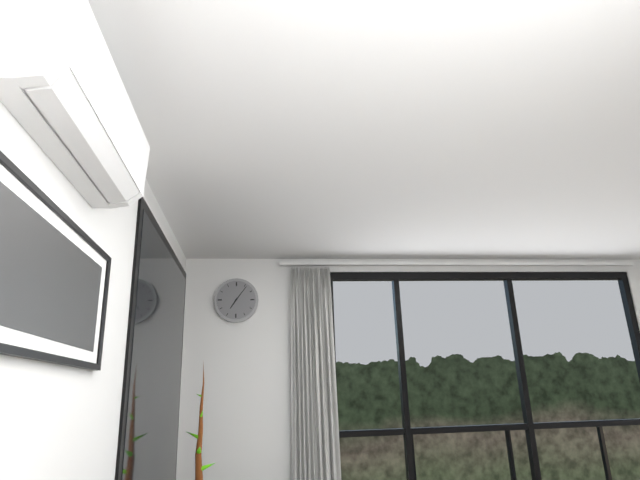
7:06
